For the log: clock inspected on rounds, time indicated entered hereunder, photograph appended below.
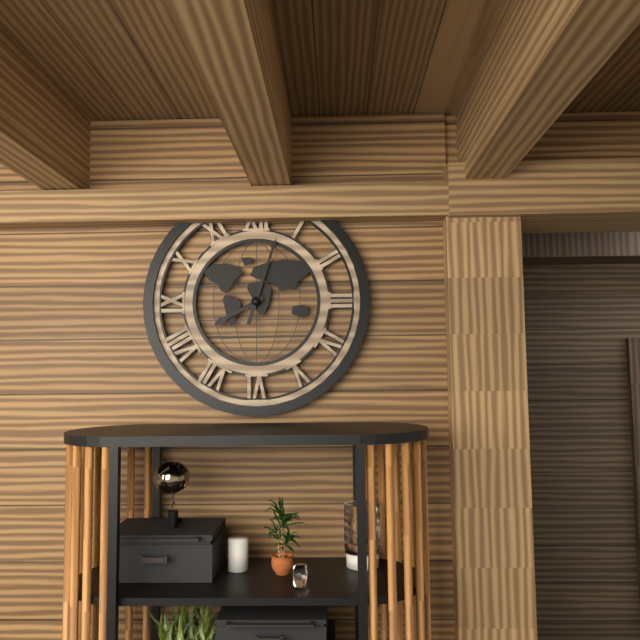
8:03
